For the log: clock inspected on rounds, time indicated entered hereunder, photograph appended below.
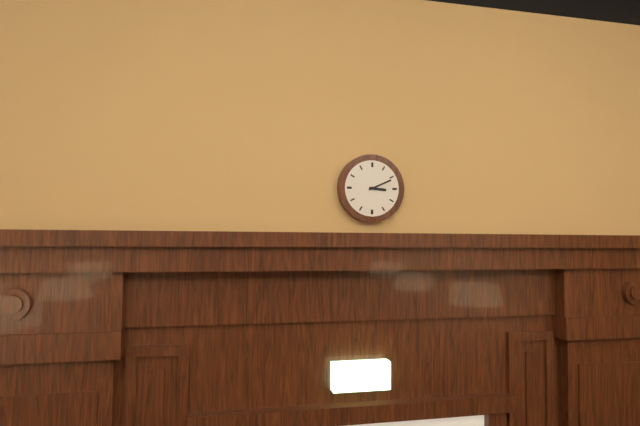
3:11
